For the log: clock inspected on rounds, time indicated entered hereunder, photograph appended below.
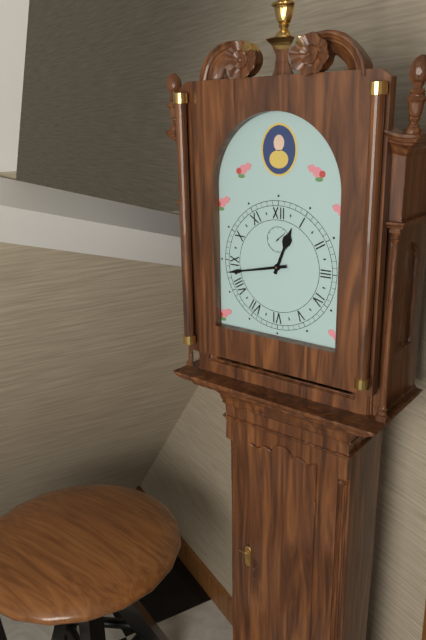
12:43
